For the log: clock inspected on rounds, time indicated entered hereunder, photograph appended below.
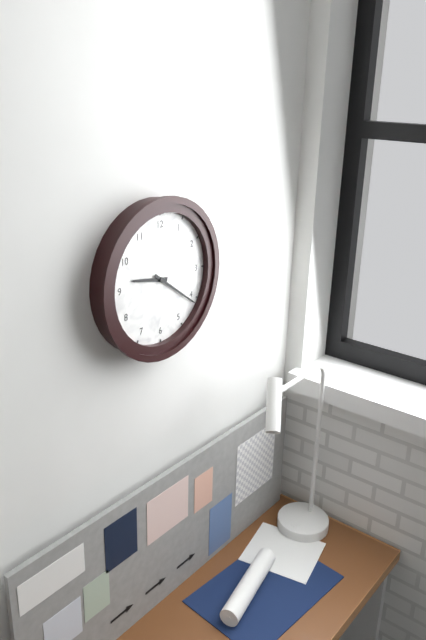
9:21
